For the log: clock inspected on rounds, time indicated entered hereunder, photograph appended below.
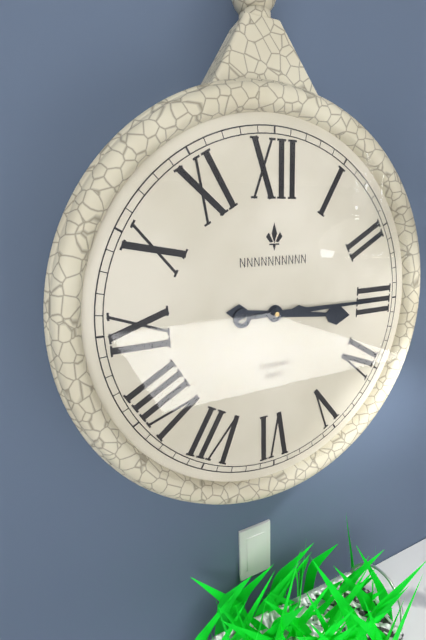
3:15
